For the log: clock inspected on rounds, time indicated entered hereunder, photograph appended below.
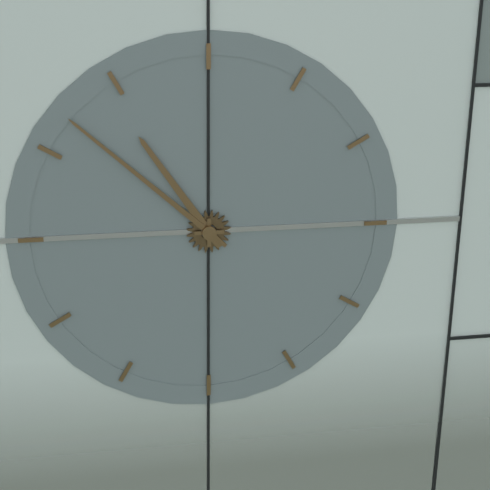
10:52
